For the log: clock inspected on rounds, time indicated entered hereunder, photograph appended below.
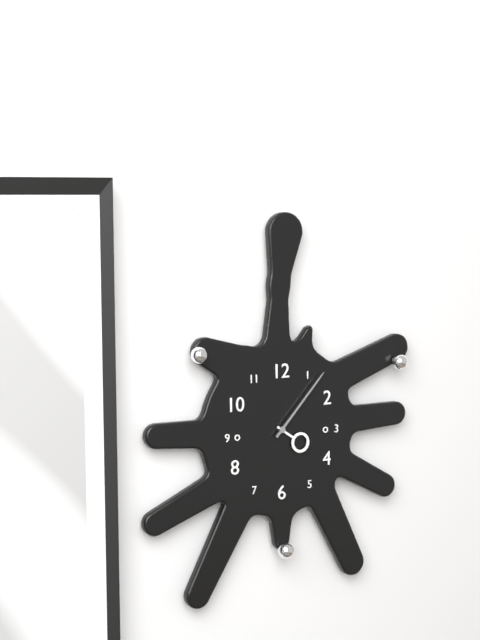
4:07
